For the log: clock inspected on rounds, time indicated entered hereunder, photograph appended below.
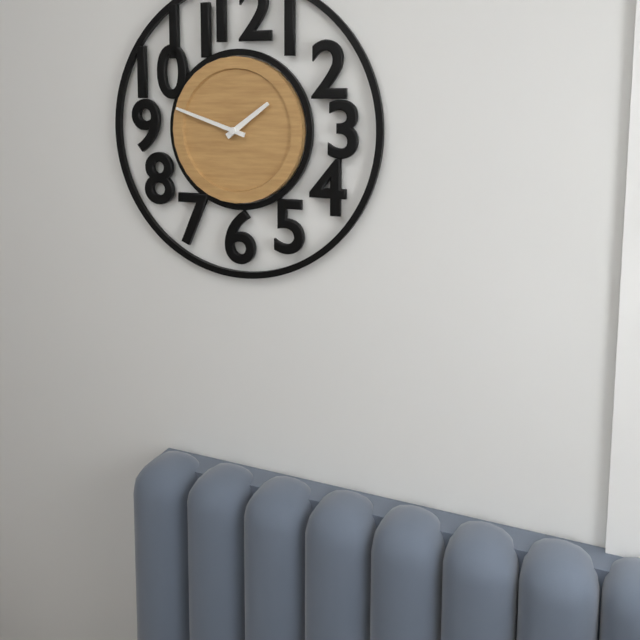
1:48
